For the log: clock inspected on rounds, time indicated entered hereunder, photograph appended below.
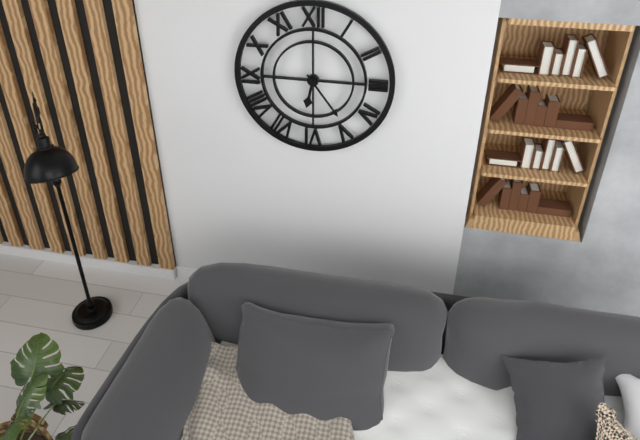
6:24
